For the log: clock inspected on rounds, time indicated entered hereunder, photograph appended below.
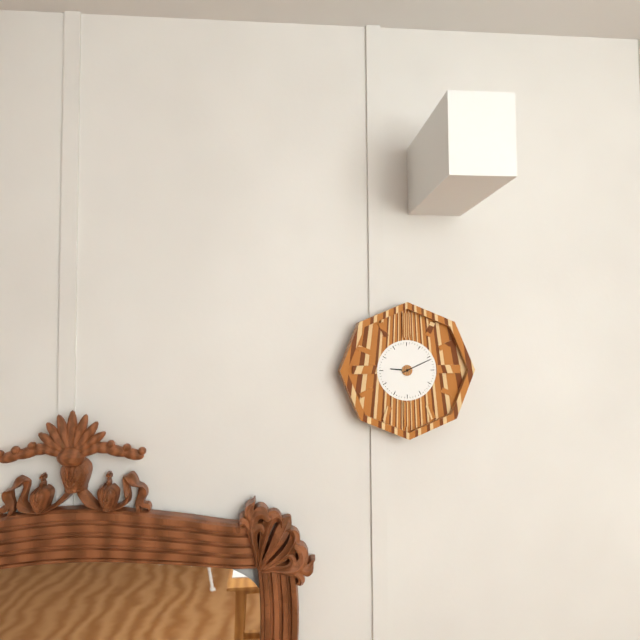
9:11
